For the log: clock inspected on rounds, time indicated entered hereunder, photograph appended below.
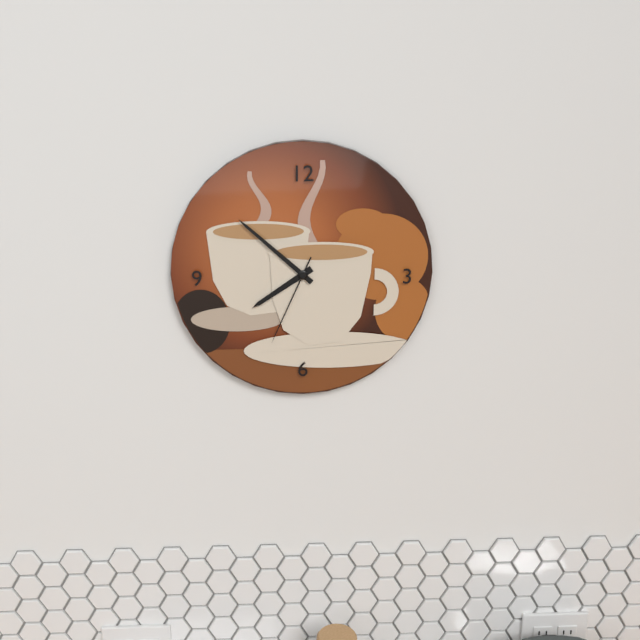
7:52:34
